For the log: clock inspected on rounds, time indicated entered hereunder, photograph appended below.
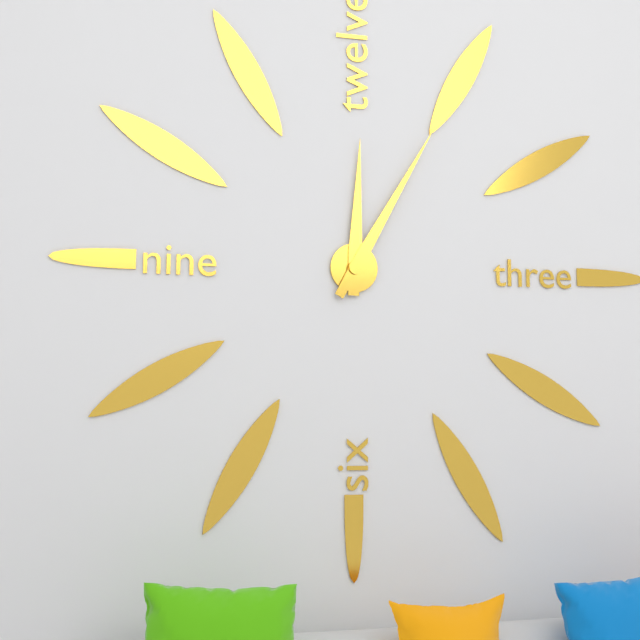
12:05
